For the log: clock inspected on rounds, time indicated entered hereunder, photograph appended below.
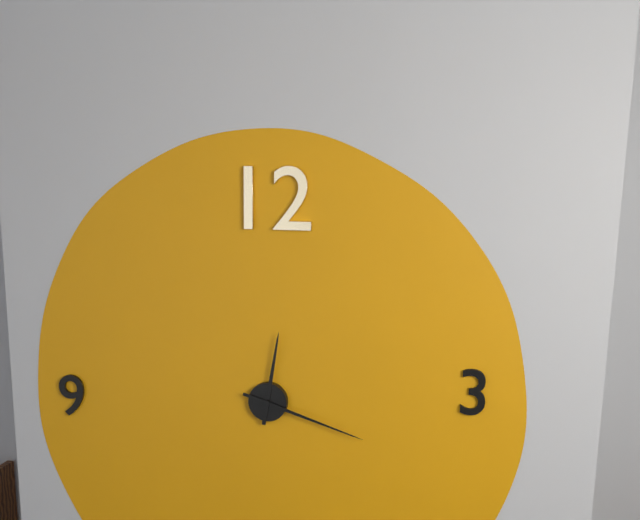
12:18
